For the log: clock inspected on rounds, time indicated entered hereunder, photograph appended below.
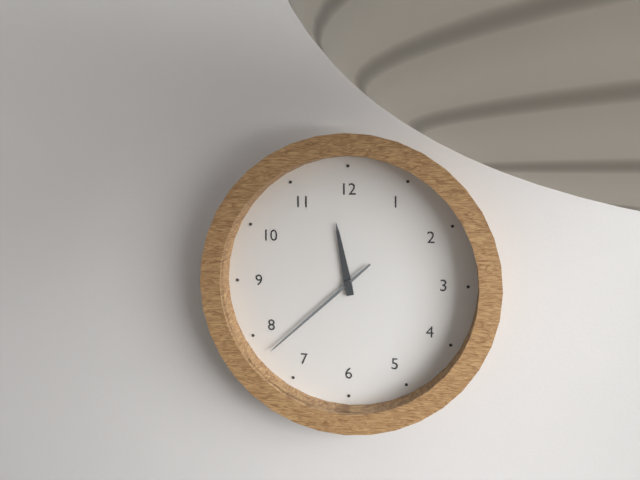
11:38
